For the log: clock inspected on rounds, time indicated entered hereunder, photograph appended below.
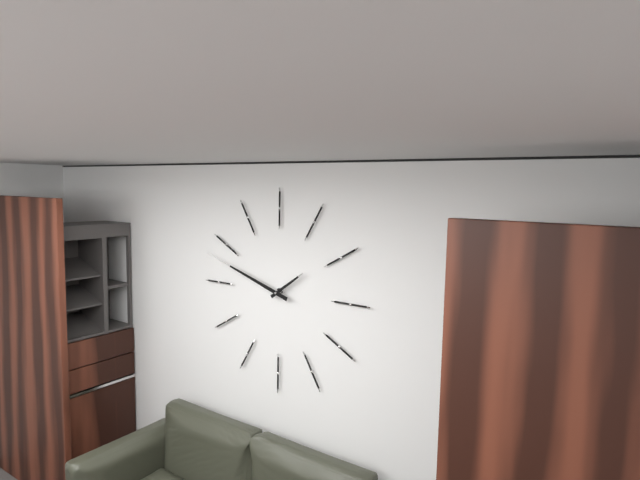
1:48
